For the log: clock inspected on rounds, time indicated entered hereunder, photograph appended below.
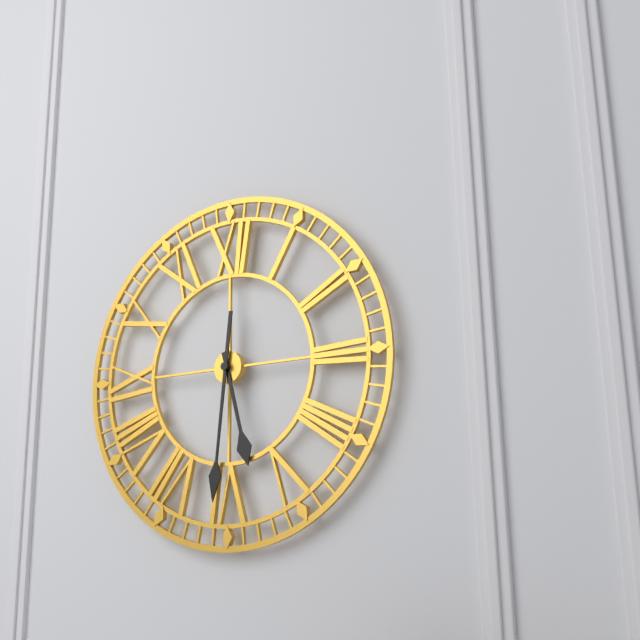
5:31
